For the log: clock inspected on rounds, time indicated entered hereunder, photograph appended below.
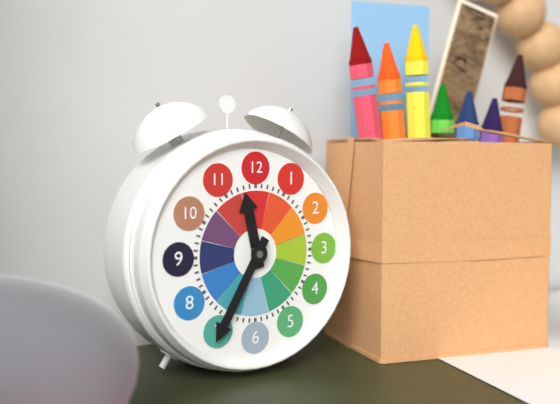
11:35
